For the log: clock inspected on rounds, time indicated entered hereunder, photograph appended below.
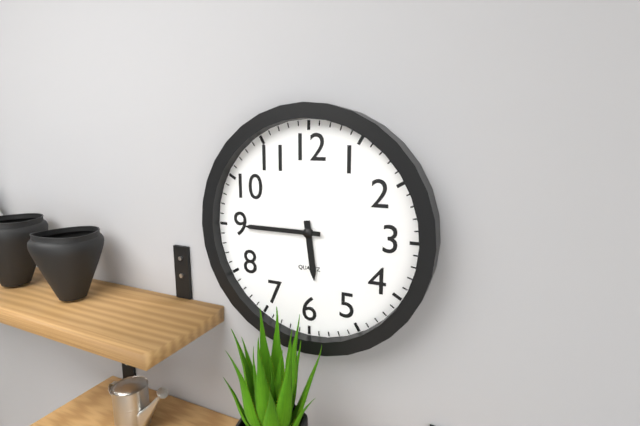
5:45
